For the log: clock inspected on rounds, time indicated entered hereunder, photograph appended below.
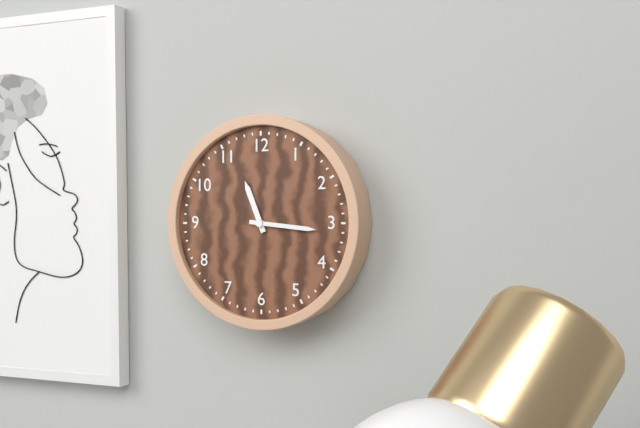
11:16
